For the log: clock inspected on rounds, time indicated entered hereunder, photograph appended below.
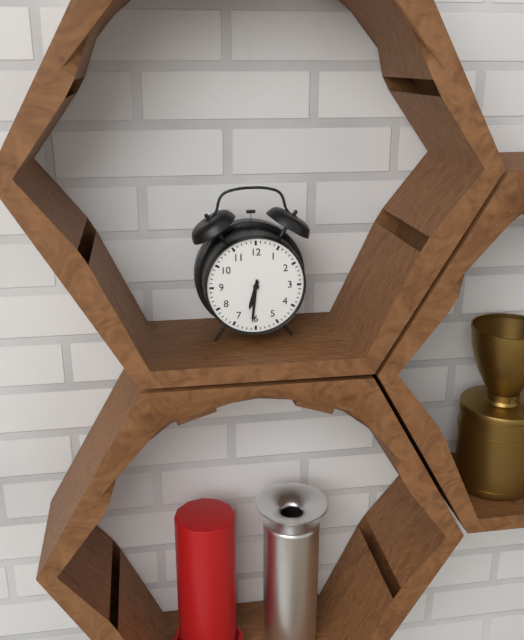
6:31
